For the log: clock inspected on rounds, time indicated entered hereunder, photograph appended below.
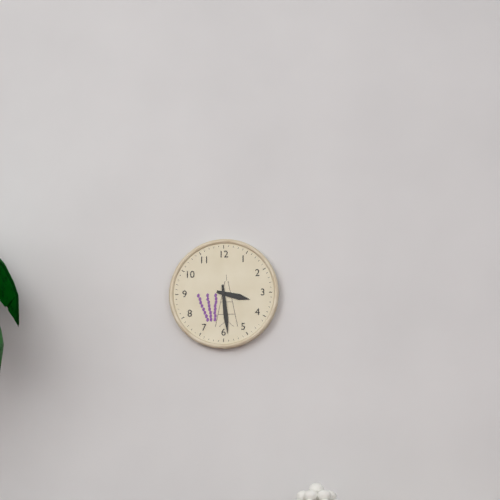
3:29
